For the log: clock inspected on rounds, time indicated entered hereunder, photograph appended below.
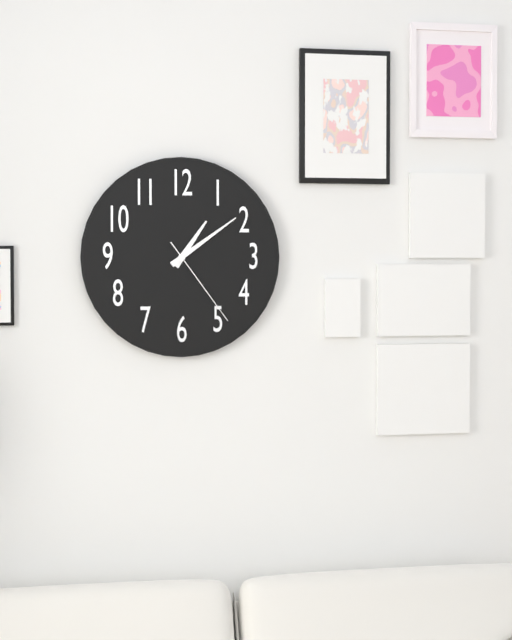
1:09:24
